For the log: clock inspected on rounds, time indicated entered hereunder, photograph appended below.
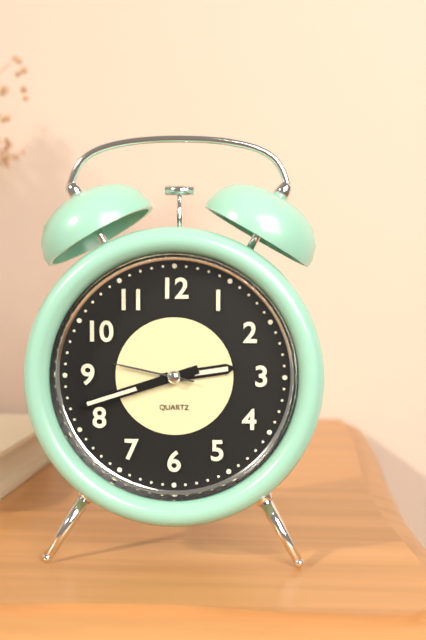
2:42:47
